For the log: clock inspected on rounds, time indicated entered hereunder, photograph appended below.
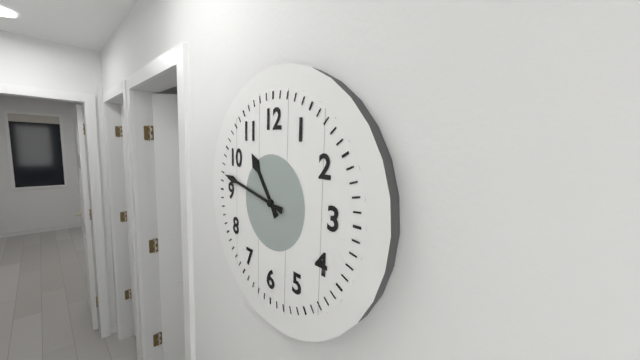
10:47
